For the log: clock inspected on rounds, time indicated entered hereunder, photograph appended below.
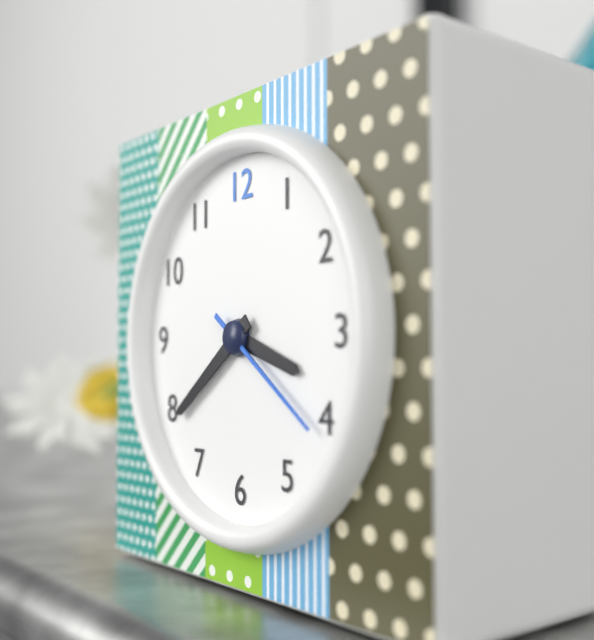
3:39:21
